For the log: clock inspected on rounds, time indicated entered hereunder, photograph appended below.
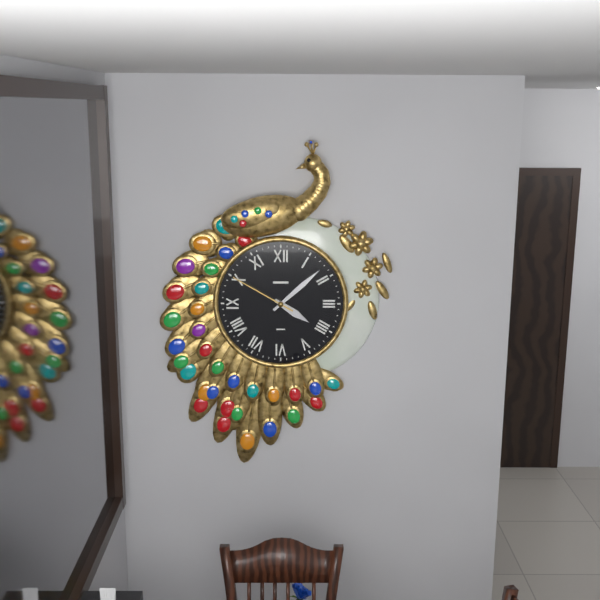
4:08:50
